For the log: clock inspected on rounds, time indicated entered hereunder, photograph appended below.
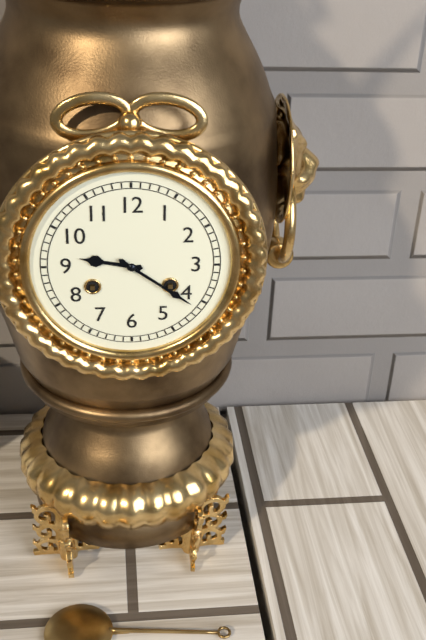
9:21
